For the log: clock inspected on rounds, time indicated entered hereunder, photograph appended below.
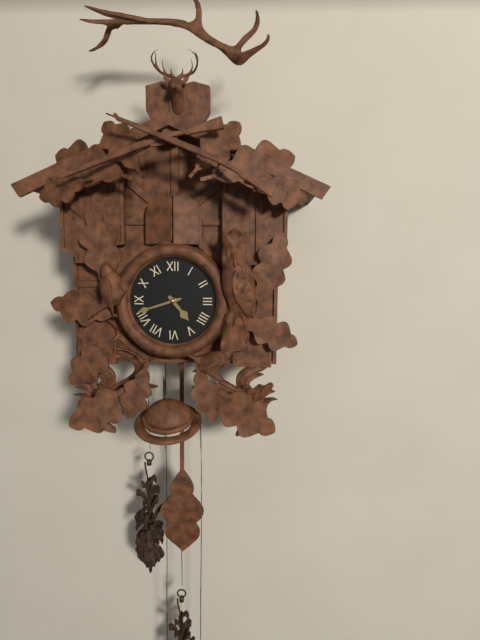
4:42
